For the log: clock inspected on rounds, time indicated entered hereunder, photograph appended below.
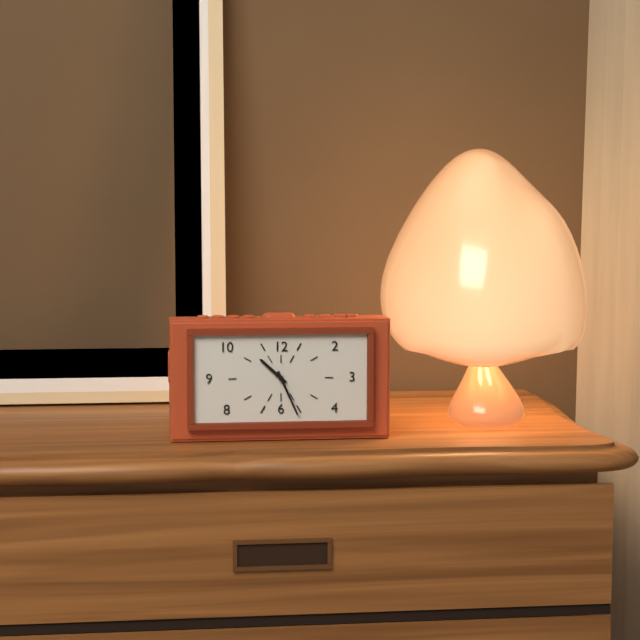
10:26
